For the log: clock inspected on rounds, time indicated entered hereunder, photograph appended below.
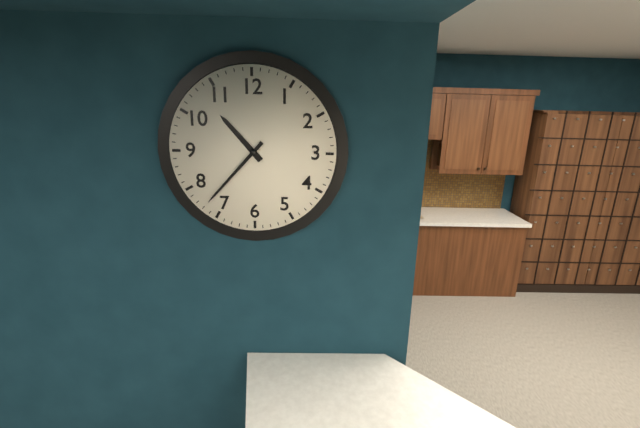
10:37
